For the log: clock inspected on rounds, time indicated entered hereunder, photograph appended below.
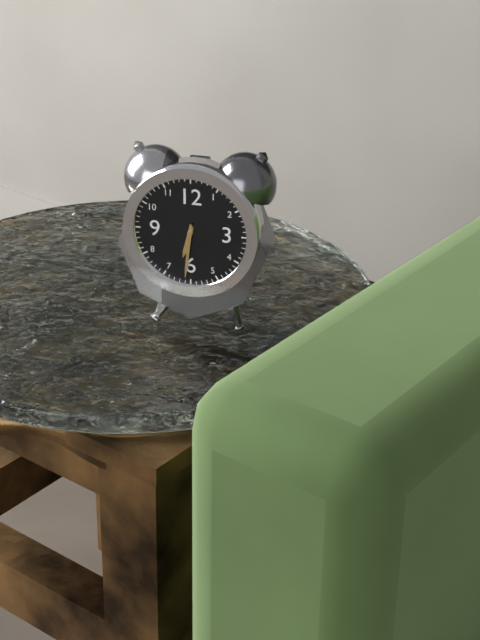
6:31
